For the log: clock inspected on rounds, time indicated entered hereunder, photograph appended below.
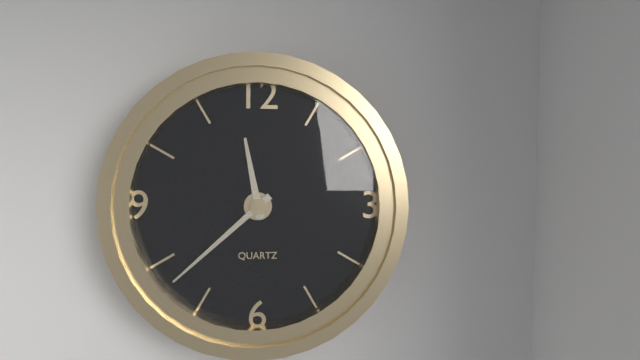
11:38
